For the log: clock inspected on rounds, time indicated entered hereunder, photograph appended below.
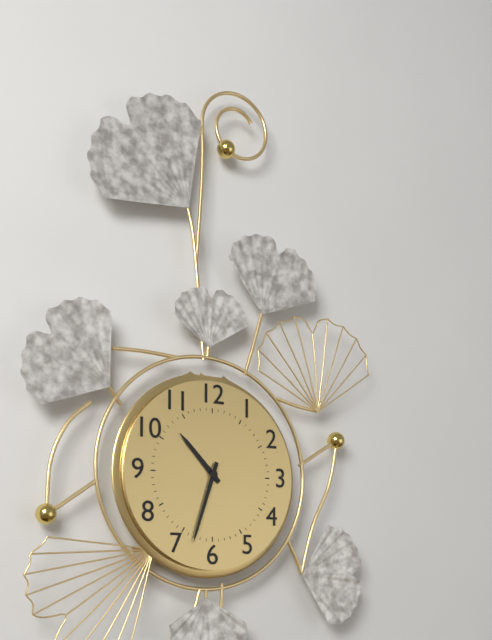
10:33
